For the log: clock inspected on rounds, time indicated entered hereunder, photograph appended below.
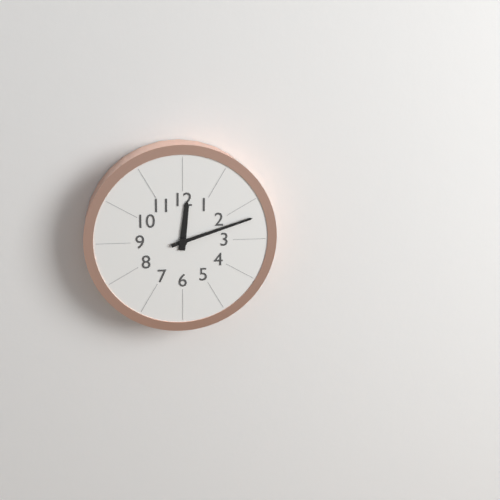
12:12
